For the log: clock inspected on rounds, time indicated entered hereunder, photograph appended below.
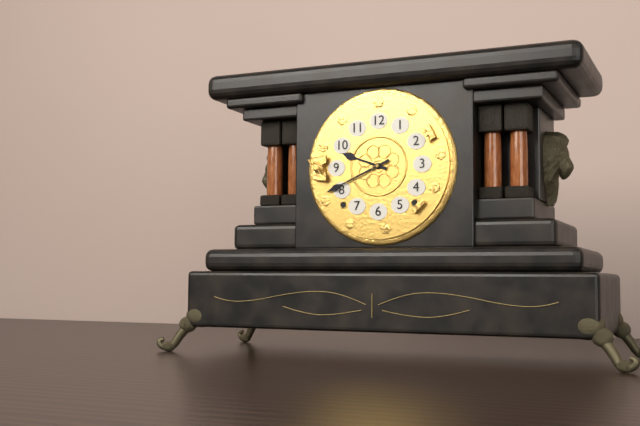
9:41
